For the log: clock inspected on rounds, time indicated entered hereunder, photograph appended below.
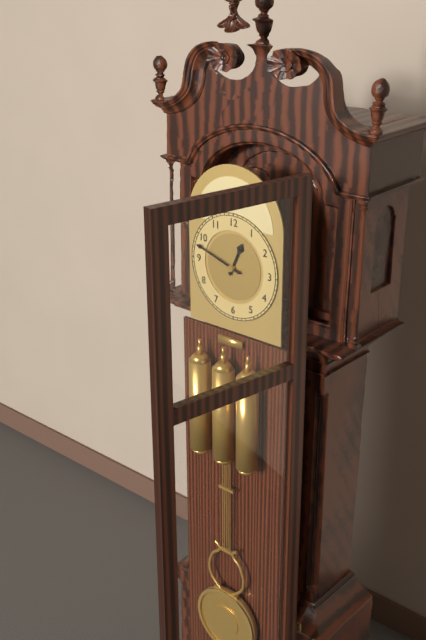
12:48
